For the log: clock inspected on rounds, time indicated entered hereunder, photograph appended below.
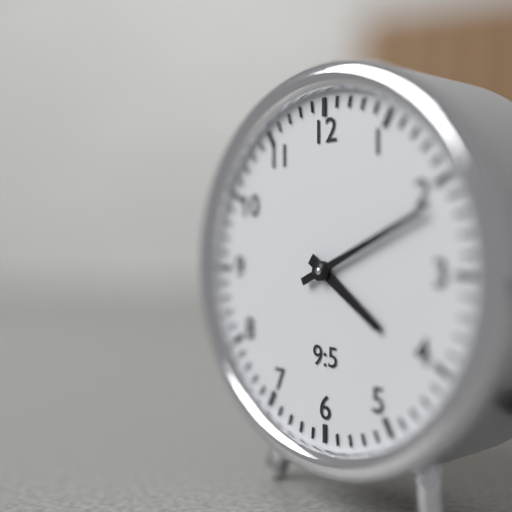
4:11
